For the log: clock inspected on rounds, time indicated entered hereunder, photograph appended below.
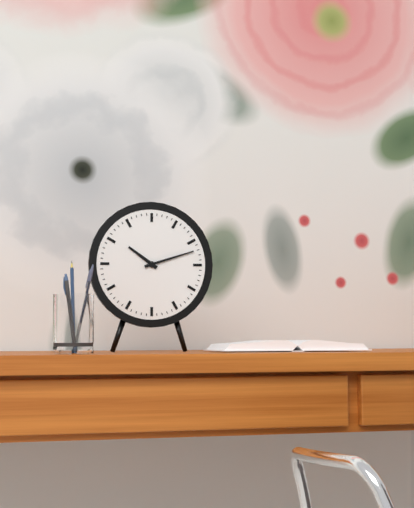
10:12
